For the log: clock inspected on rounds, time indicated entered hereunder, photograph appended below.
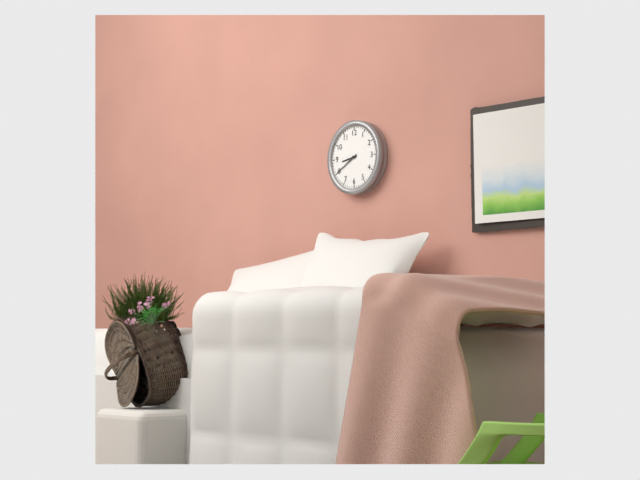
8:40
